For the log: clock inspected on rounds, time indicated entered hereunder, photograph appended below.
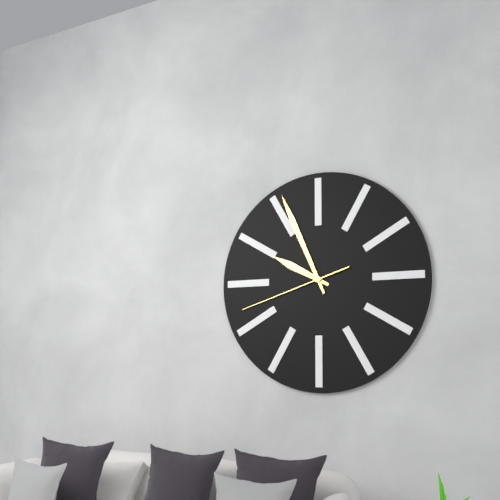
9:56:42
